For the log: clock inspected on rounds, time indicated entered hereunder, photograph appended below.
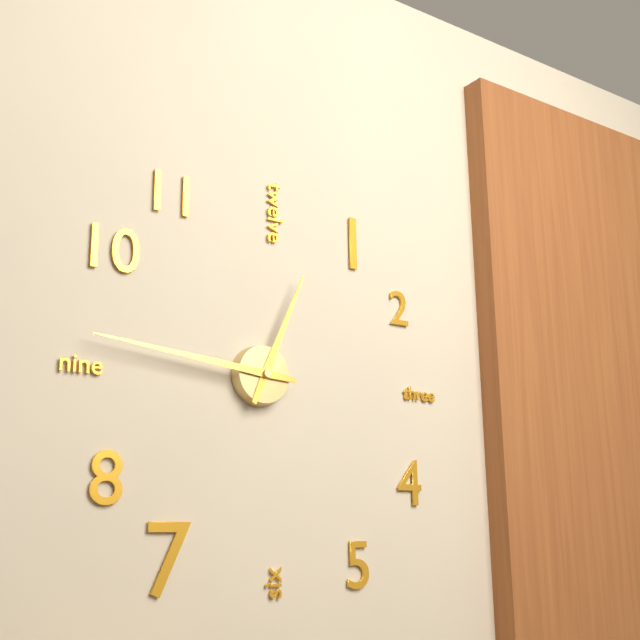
12:46
